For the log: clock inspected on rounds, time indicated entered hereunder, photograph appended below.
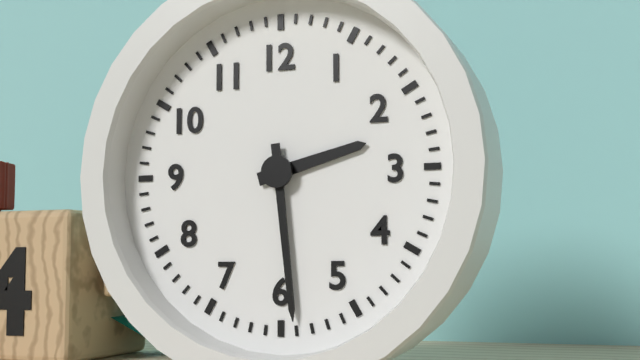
2:29
